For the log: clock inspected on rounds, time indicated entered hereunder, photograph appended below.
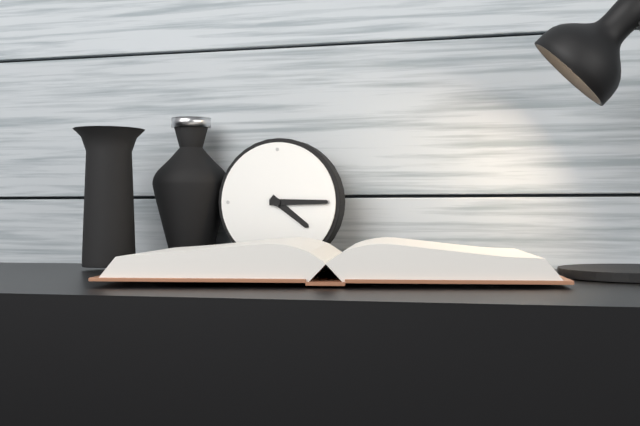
4:15
